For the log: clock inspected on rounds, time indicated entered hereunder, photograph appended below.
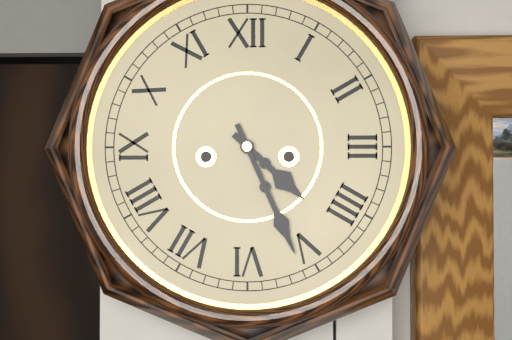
4:26
